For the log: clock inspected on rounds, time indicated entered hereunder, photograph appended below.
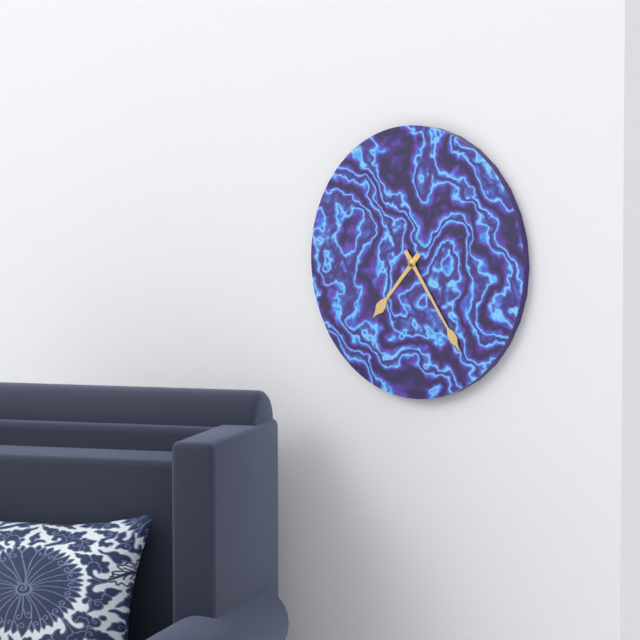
7:24
